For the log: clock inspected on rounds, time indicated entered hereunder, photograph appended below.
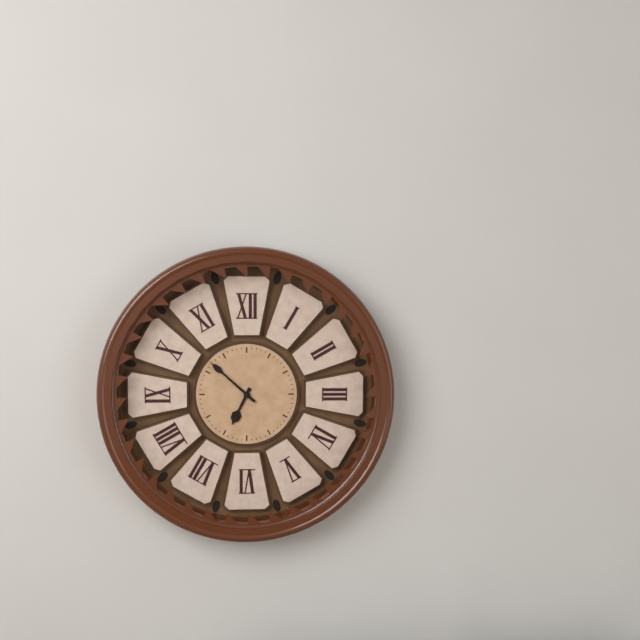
6:52
